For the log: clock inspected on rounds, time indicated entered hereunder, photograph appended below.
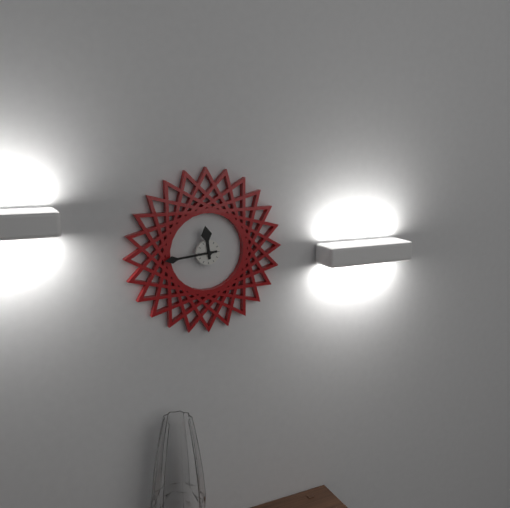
11:44
